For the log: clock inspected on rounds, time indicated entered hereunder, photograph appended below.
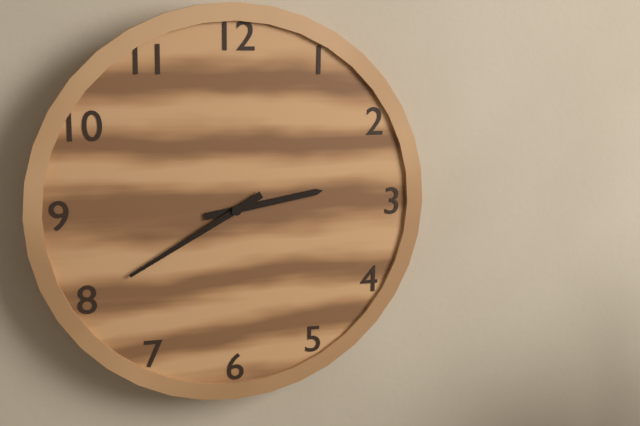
2:40
